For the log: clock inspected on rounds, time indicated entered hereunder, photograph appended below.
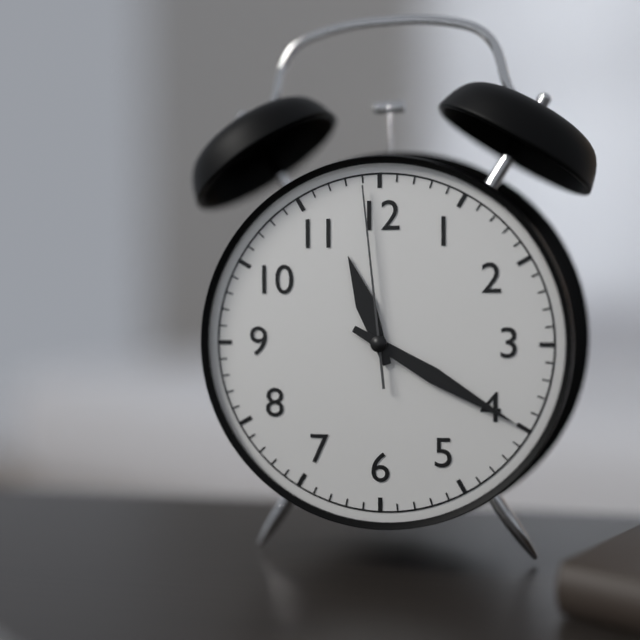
11:20:59
